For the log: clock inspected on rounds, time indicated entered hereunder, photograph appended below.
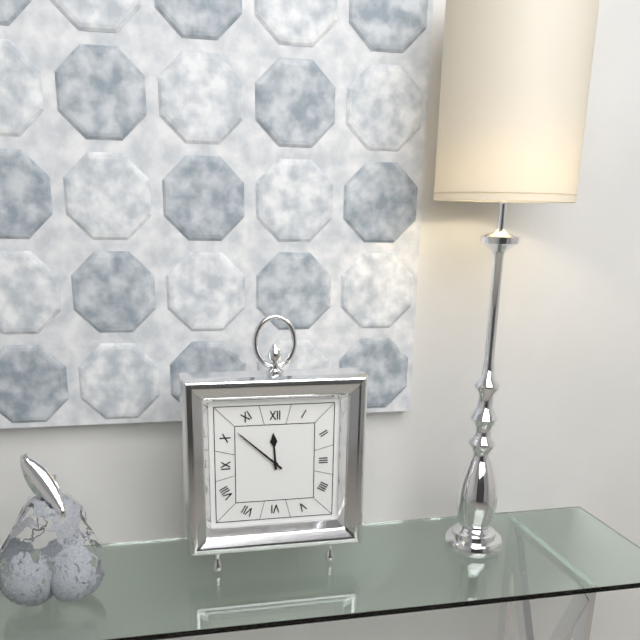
11:52
